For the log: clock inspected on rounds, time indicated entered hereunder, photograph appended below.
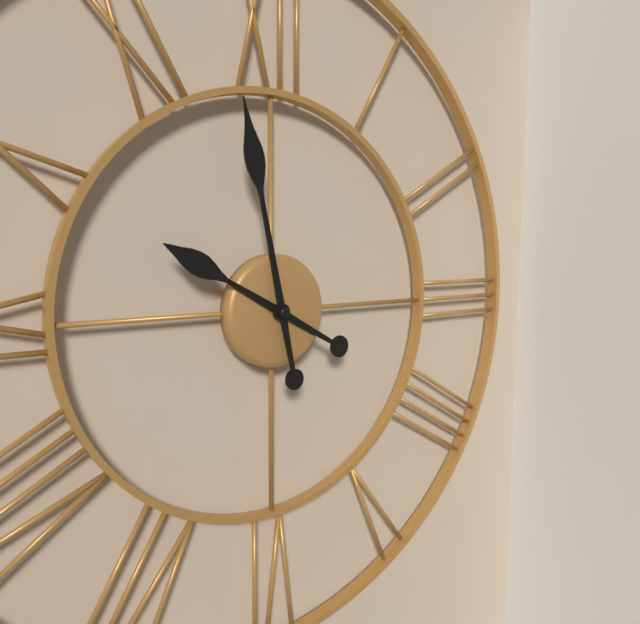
9:58
